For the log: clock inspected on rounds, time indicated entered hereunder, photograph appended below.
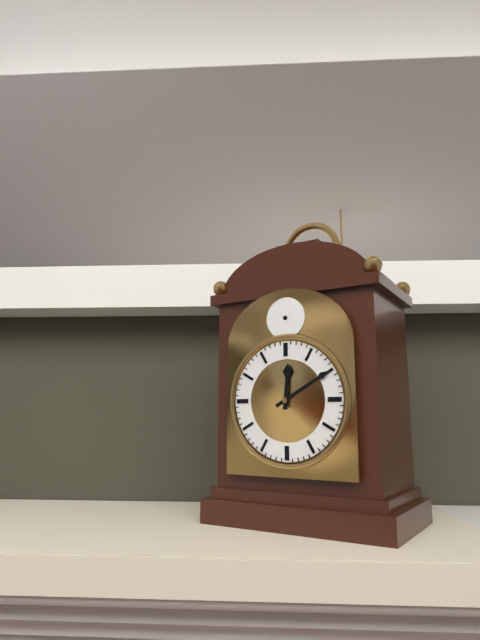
12:10
